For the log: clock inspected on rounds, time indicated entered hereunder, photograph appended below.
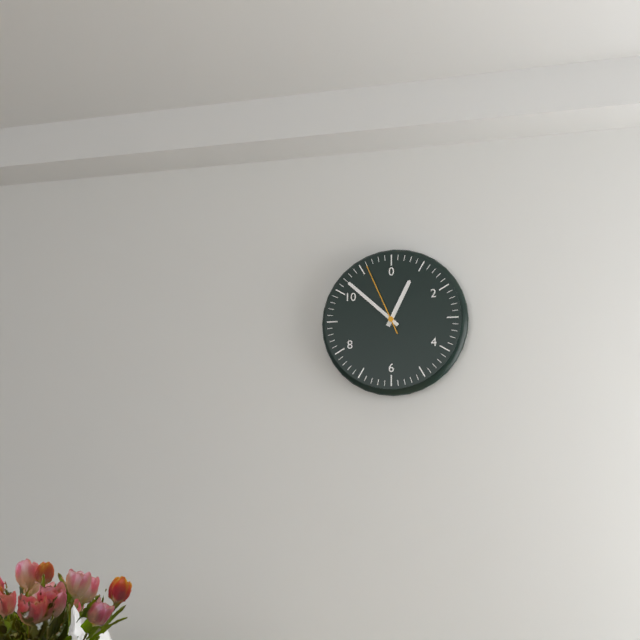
12:52:56
